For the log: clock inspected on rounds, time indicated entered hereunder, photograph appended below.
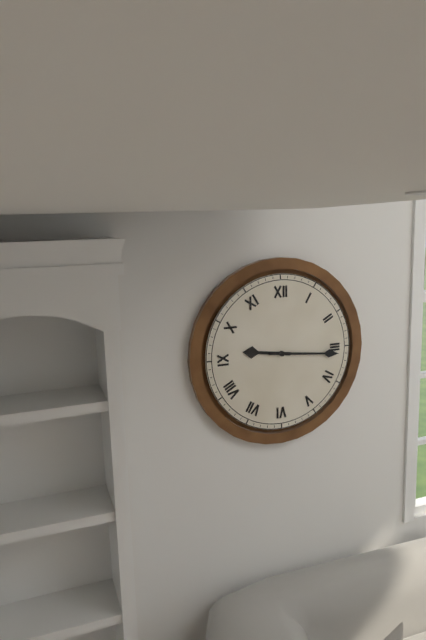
9:16
